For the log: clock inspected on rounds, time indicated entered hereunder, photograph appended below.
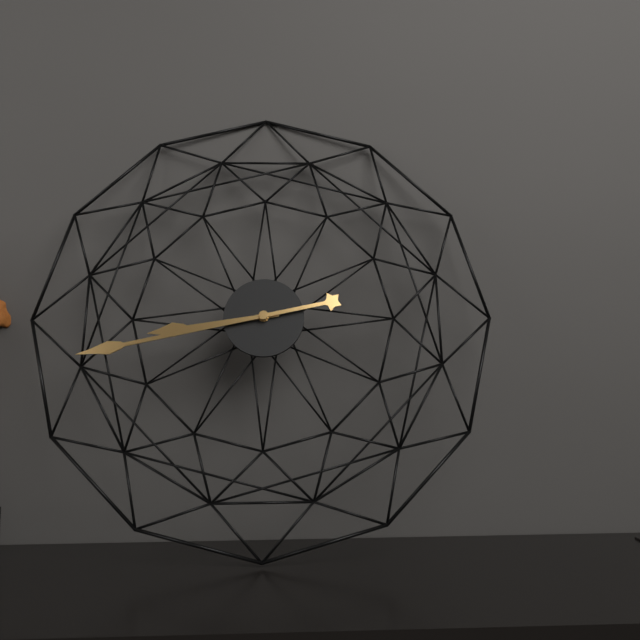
8:43
